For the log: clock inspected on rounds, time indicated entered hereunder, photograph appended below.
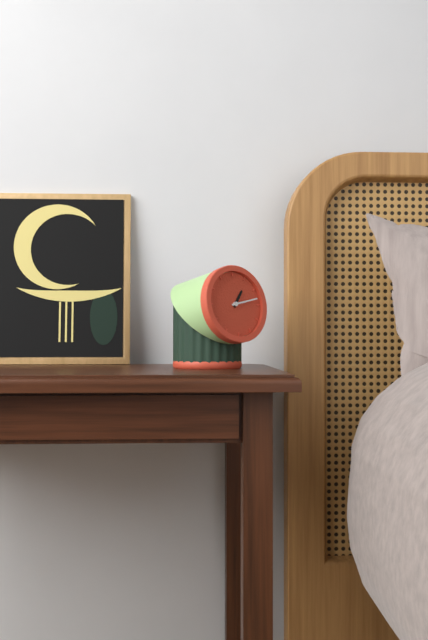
1:13
